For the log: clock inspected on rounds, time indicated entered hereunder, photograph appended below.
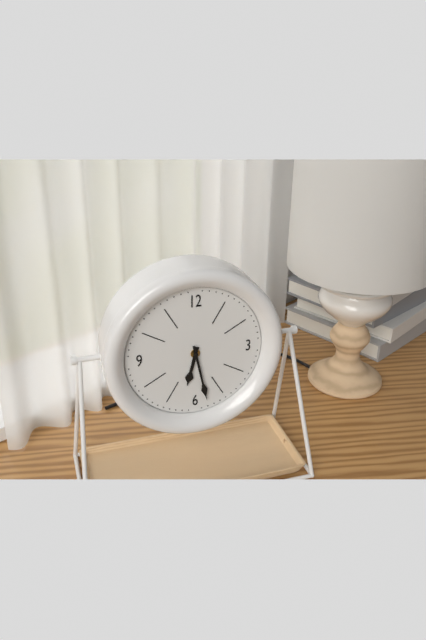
6:28
